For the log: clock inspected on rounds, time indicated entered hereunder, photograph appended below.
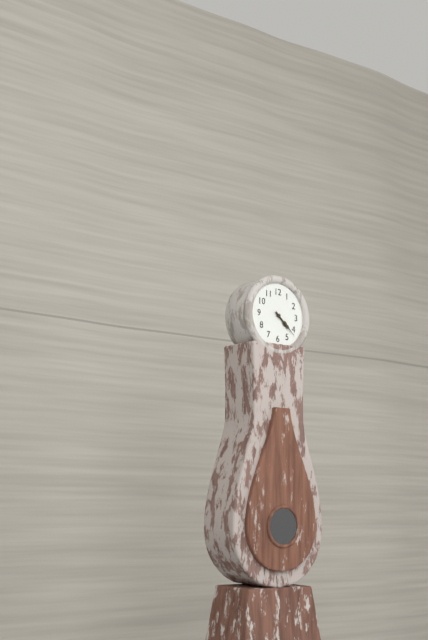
4:22
